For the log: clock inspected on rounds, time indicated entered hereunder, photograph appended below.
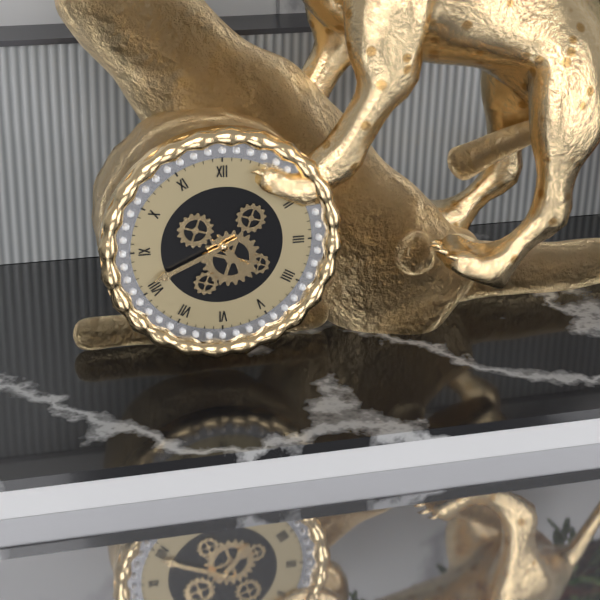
4:41
